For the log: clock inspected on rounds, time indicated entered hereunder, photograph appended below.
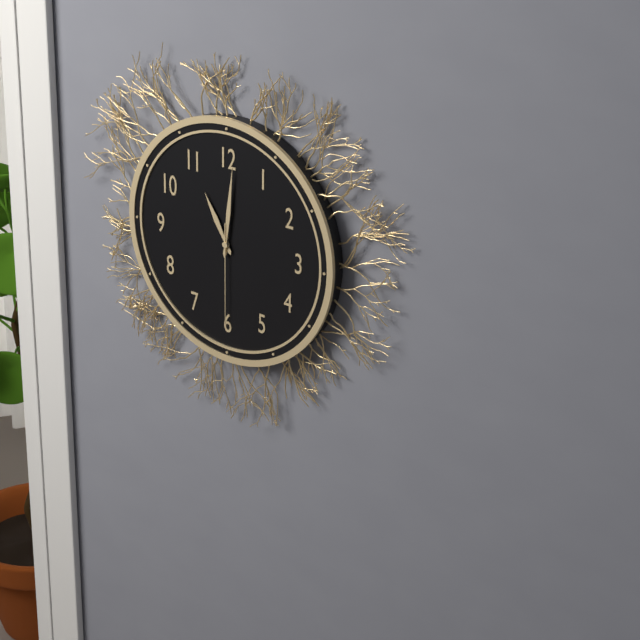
11:01:30
